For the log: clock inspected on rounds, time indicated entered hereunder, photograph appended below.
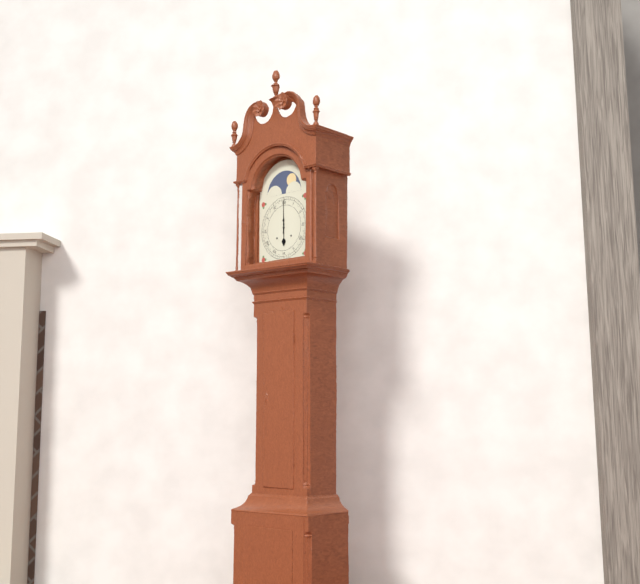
6:00
